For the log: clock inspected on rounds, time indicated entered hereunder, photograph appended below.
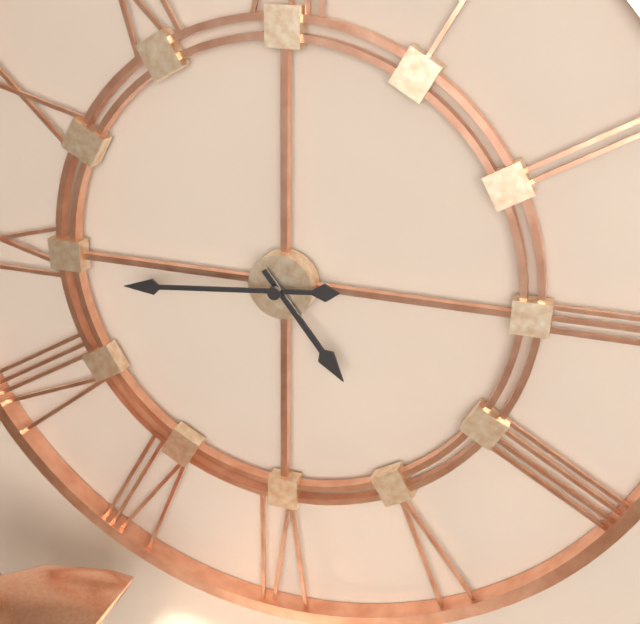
4:44
